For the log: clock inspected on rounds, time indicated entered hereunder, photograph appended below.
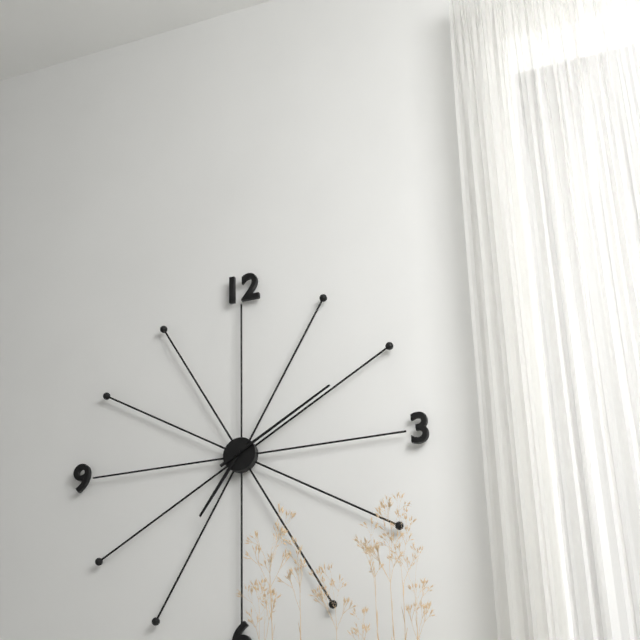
7:10
